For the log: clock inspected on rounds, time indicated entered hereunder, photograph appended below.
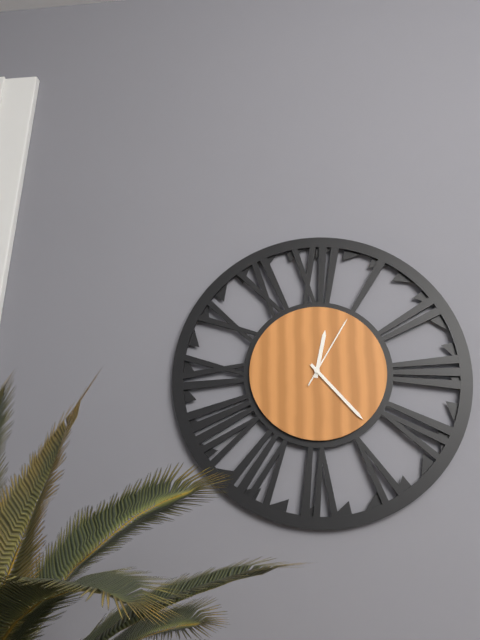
12:23:05
